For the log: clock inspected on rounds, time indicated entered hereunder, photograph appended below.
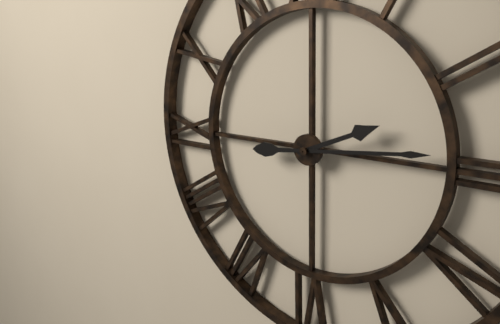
2:14
